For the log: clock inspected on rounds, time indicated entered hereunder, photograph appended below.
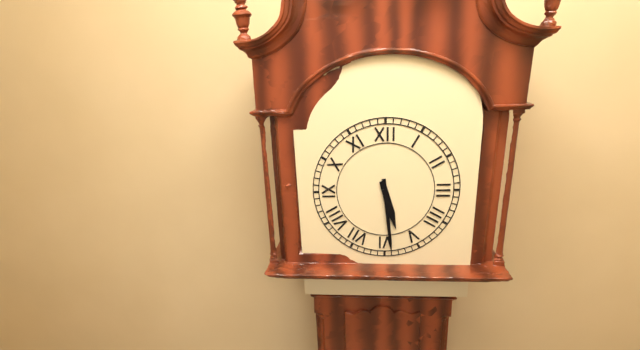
5:29
